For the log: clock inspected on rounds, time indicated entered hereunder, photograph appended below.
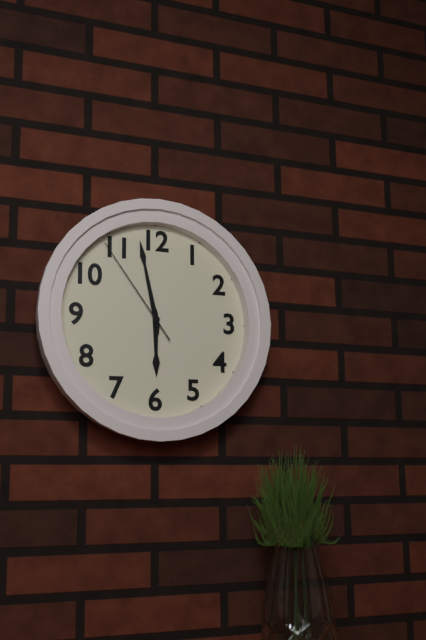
5:58:54
